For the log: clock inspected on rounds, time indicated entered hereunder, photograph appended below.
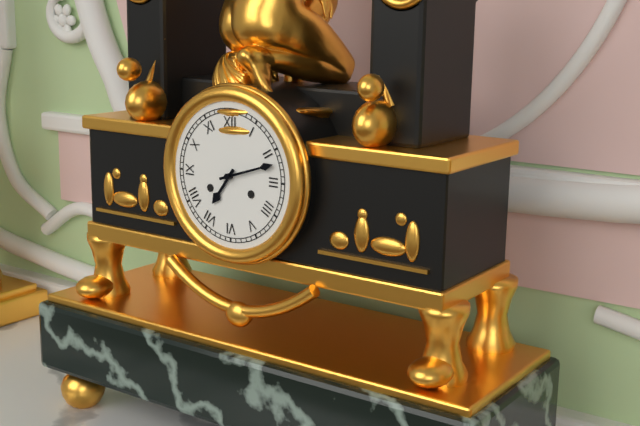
7:12
